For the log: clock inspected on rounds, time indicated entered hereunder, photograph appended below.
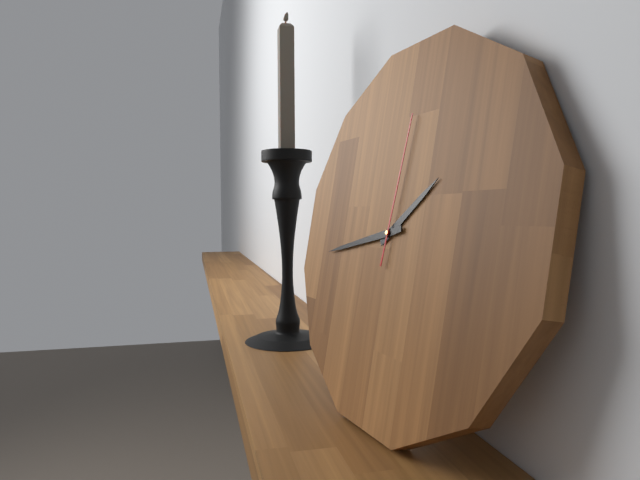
1:43:01
